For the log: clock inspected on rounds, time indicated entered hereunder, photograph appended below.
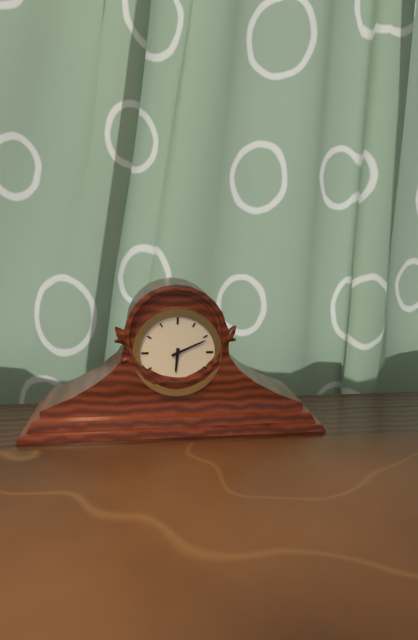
6:11
